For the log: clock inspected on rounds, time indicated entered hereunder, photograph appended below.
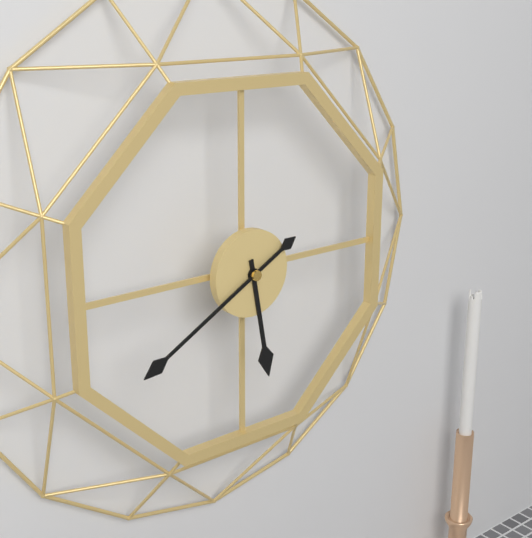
5:40
